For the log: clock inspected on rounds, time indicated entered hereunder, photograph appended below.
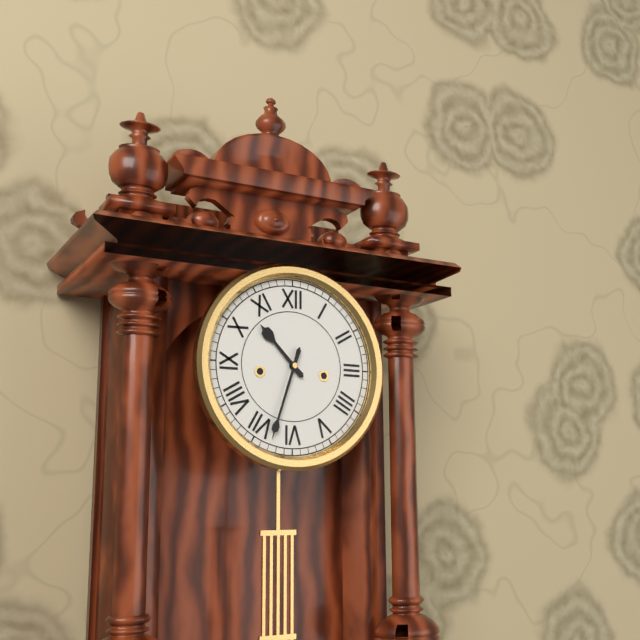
10:33
